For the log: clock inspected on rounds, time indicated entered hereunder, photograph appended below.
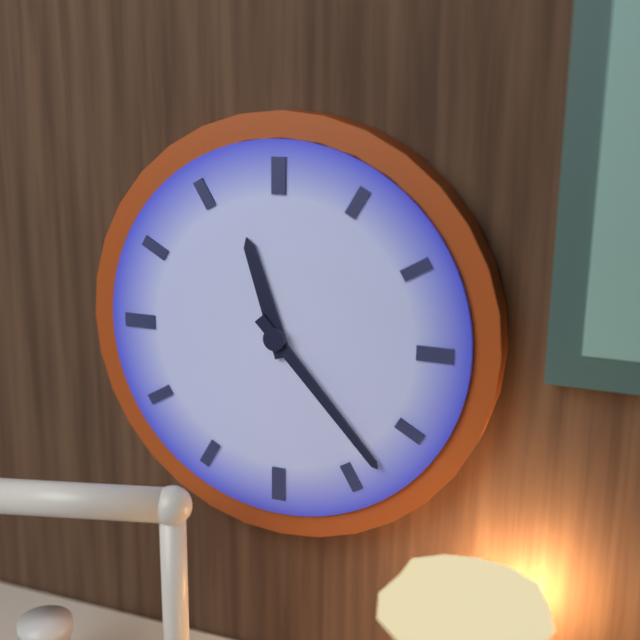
11:23
